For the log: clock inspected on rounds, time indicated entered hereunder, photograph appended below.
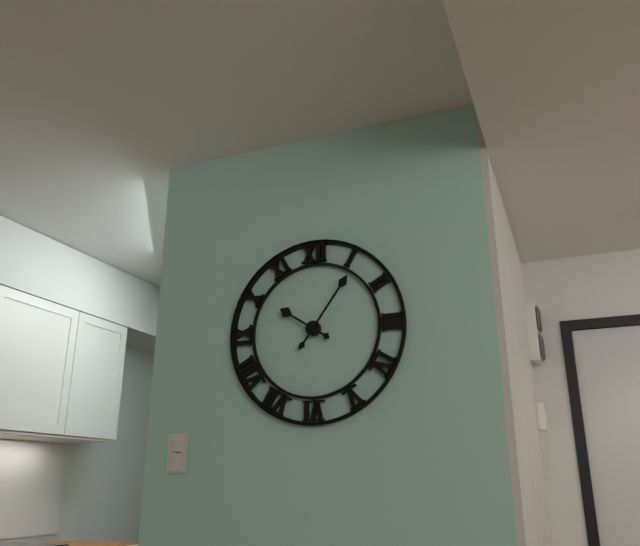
10:06
